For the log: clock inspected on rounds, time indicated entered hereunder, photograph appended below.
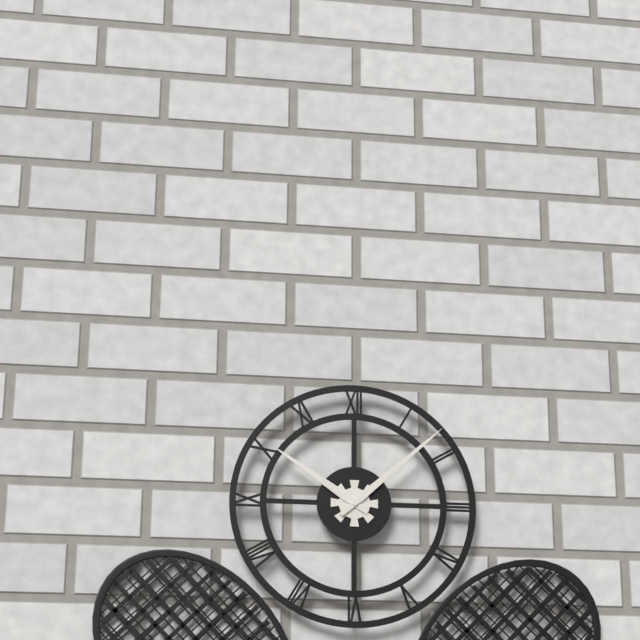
10:08
